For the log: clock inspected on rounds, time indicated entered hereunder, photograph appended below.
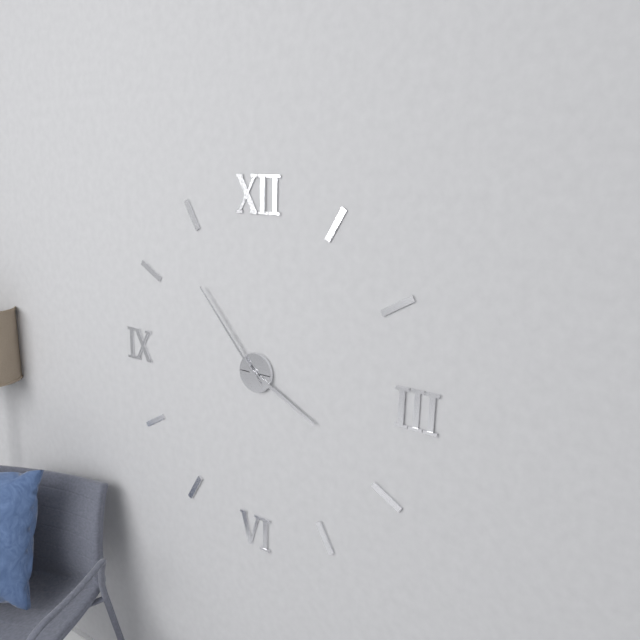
3:53
